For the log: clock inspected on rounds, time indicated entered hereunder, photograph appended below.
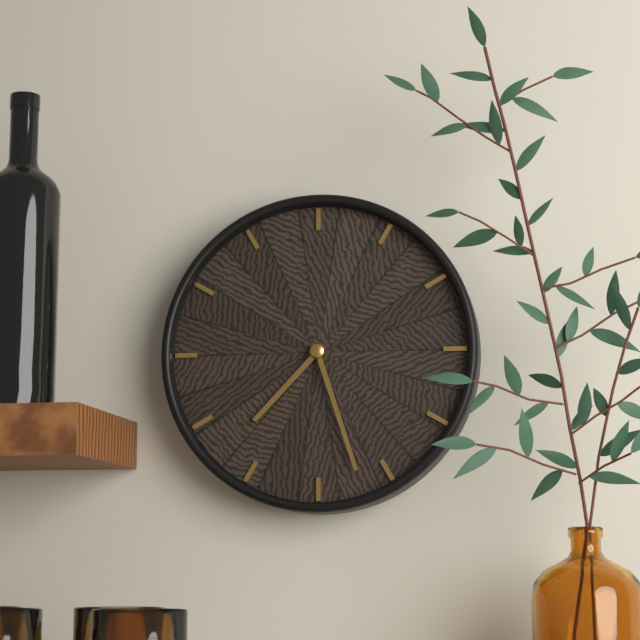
7:27
